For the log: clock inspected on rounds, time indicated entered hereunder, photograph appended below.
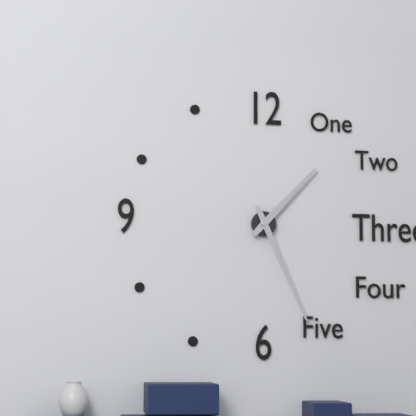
1:26
